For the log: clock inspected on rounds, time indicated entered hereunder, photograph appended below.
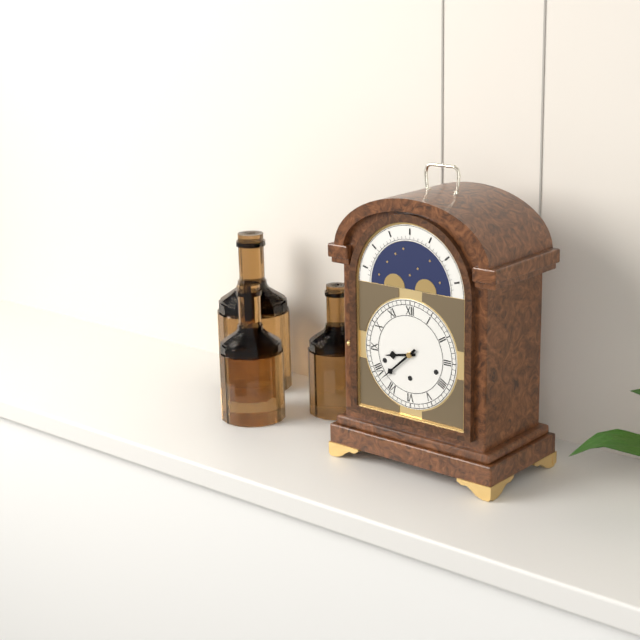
8:38
